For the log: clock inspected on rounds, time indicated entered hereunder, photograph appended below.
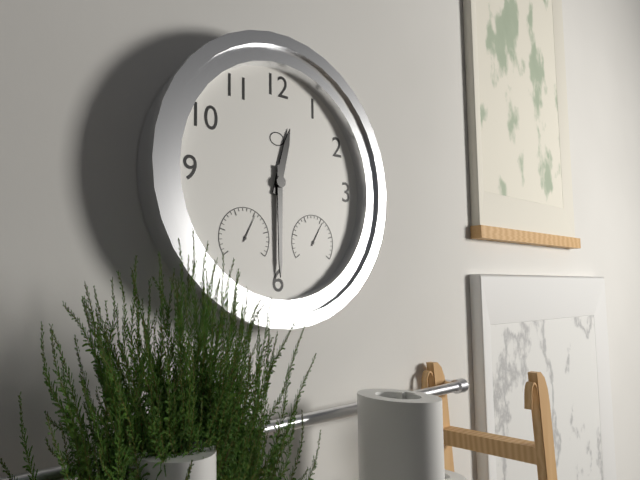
12:30
